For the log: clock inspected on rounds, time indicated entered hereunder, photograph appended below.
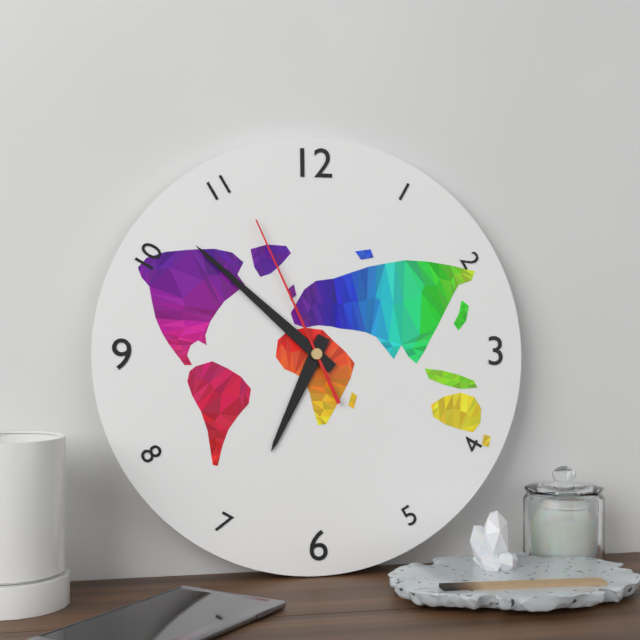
6:52:56
